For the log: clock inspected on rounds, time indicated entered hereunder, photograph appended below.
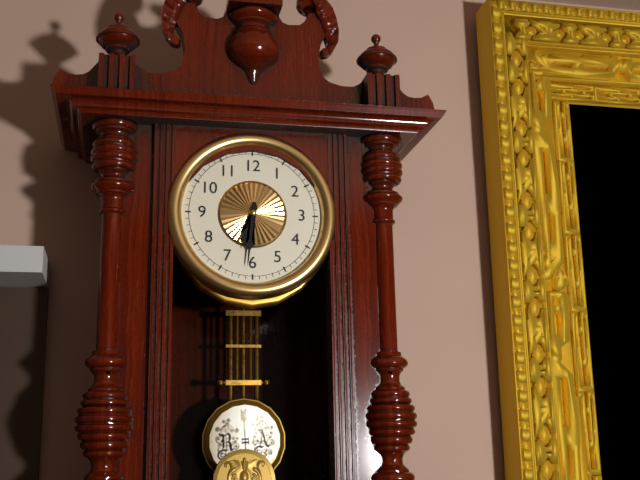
6:31
